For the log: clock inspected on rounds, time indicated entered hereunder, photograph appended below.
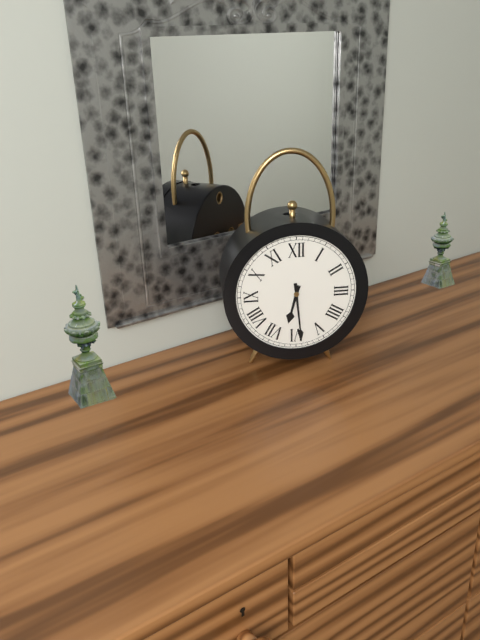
6:29
